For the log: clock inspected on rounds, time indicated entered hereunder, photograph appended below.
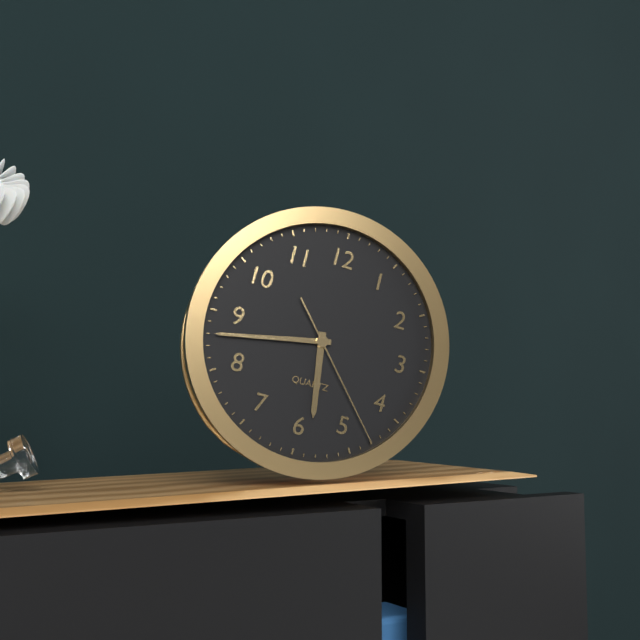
5:43:23
